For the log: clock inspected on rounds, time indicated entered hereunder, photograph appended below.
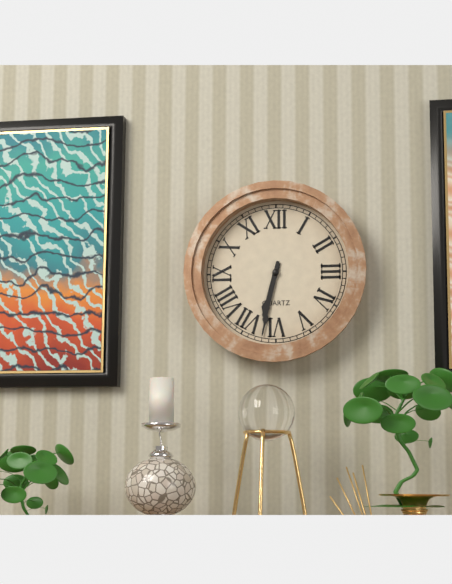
6:32
